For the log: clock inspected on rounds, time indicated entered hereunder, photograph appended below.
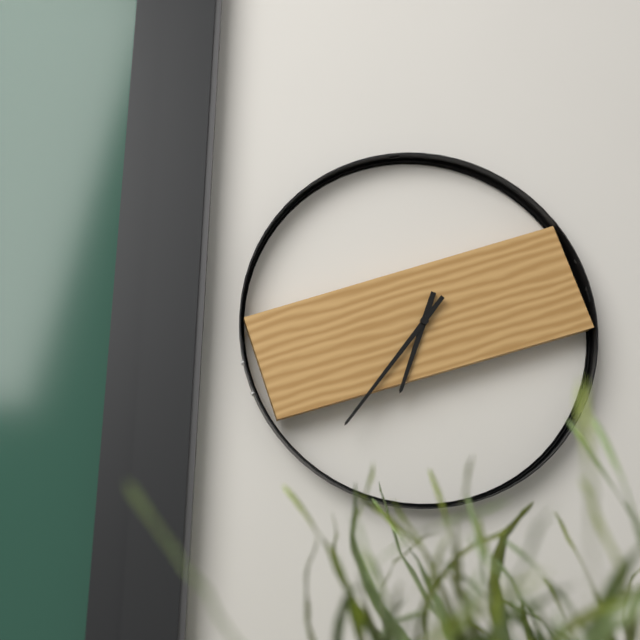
6:36
